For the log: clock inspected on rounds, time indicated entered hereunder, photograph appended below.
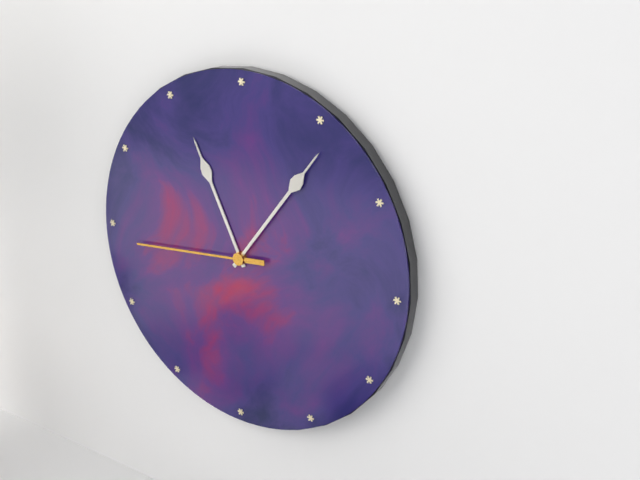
11:06:44
